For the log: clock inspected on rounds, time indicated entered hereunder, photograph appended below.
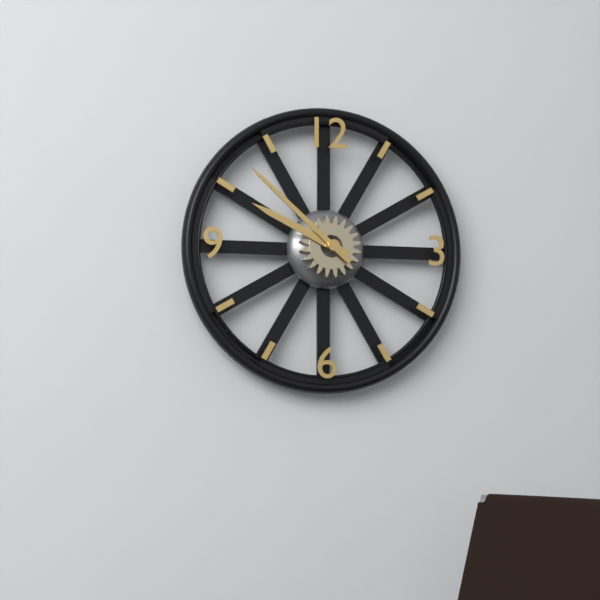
9:52
